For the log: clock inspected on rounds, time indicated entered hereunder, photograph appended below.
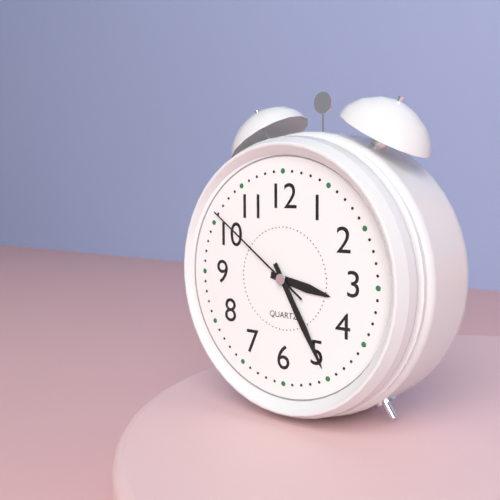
3:25:51
